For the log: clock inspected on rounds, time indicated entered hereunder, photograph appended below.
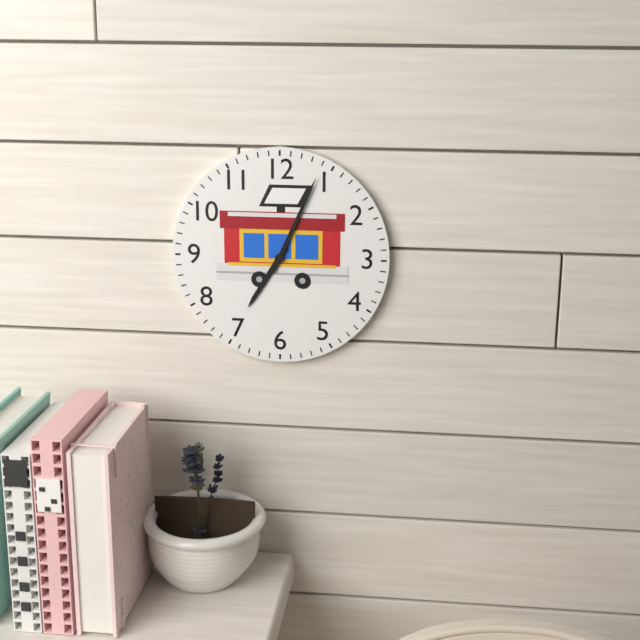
7:04
